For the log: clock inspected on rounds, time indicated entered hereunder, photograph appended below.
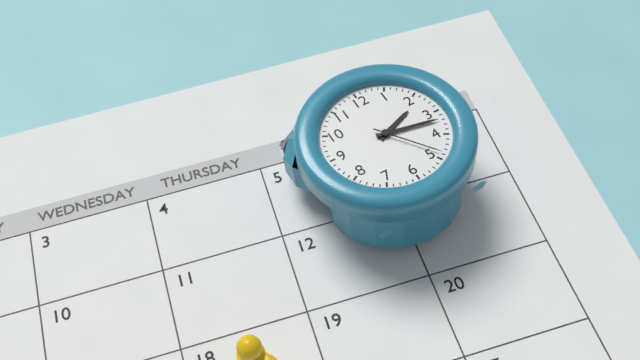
2:17:24
